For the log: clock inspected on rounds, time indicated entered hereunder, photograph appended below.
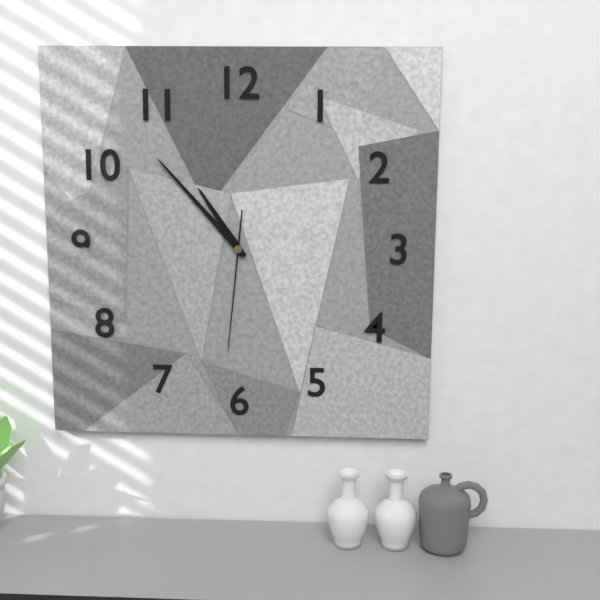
10:53:31
